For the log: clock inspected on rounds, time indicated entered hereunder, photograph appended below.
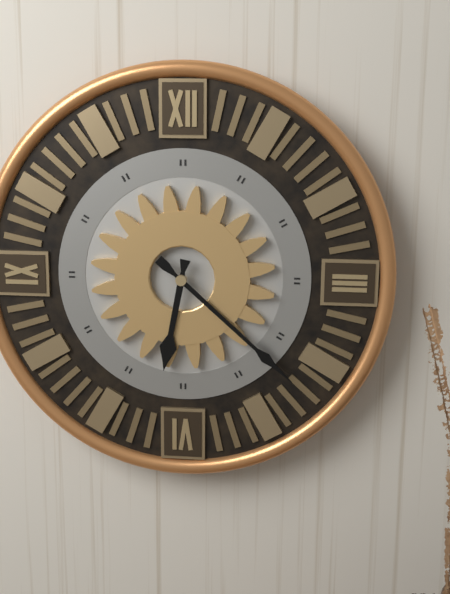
6:22
